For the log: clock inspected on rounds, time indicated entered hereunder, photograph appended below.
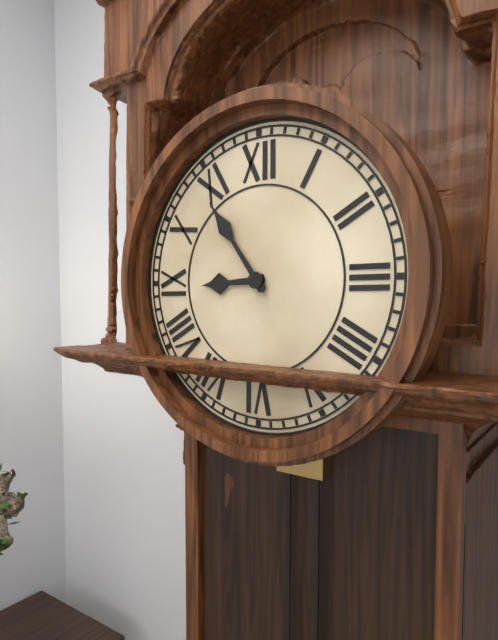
8:54
